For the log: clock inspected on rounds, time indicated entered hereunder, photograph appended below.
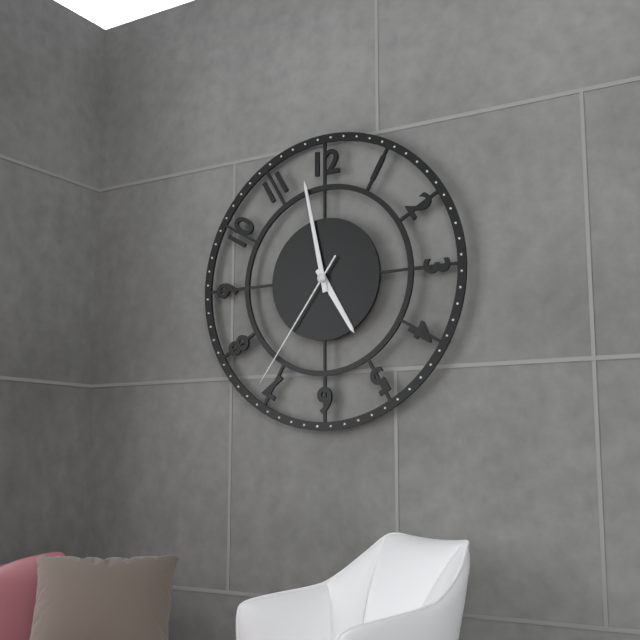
4:58:36
